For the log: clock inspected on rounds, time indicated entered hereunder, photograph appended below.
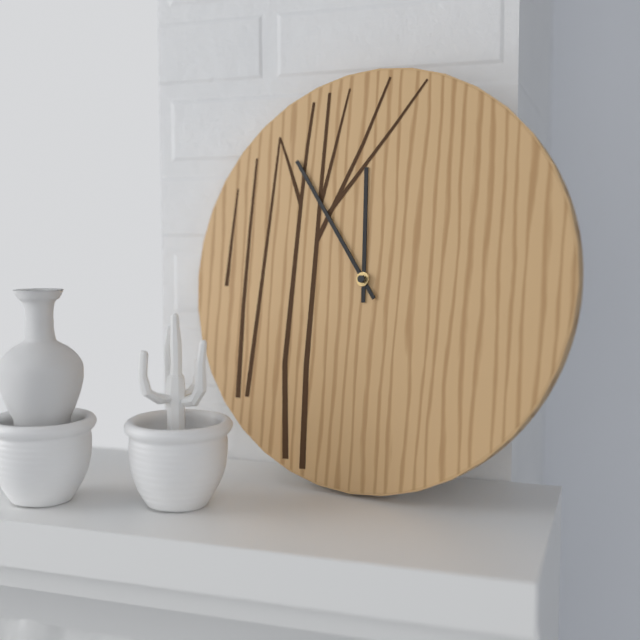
11:54
